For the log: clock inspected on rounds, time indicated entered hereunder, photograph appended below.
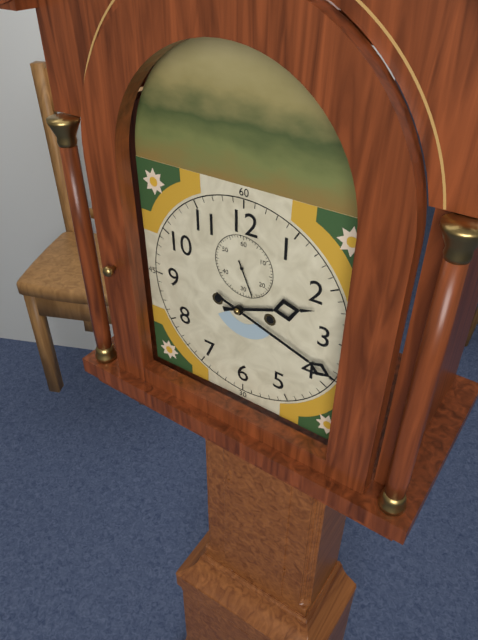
2:18
